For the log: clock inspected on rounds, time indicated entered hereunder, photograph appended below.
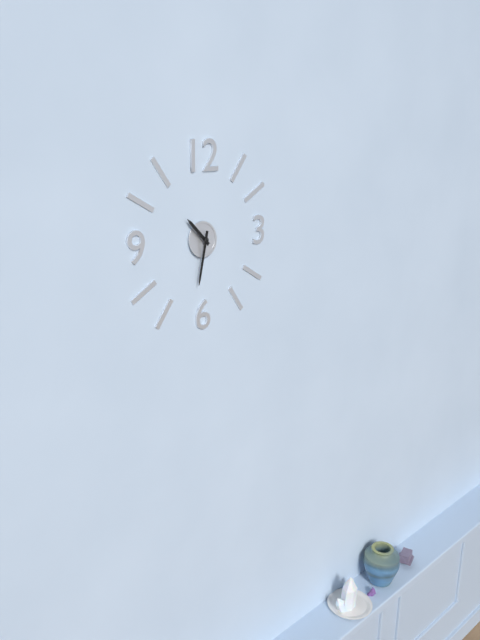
10:32
